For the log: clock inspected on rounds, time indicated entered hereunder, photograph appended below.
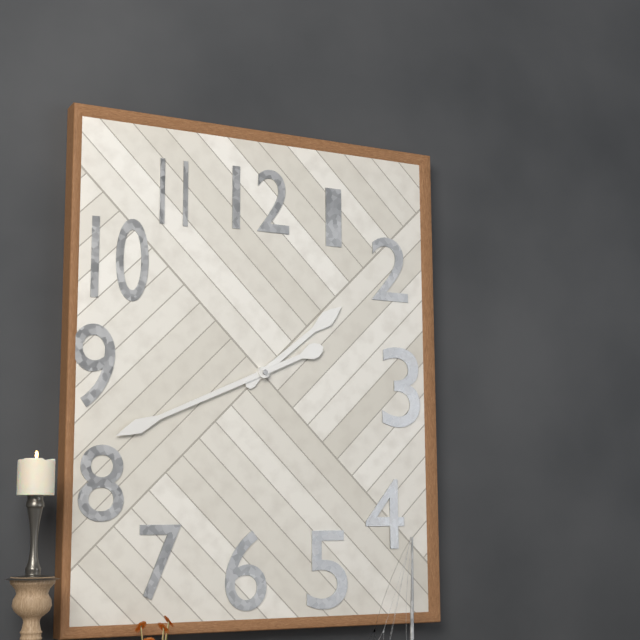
1:41
